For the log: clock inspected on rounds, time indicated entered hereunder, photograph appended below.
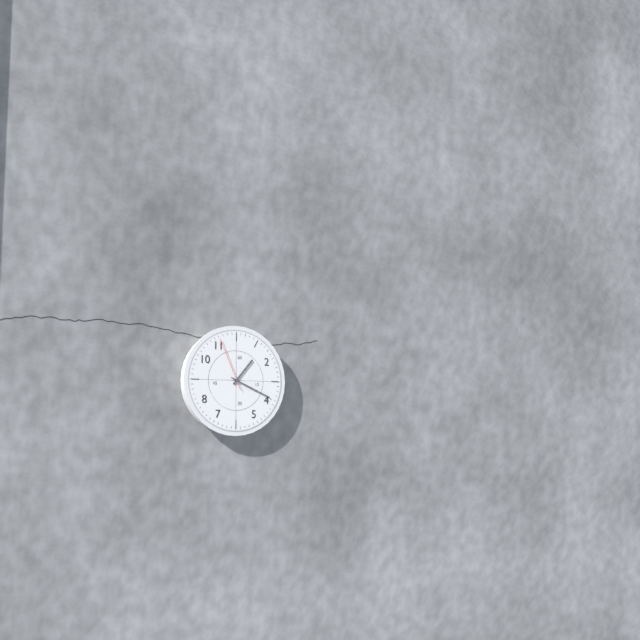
1:19:56
